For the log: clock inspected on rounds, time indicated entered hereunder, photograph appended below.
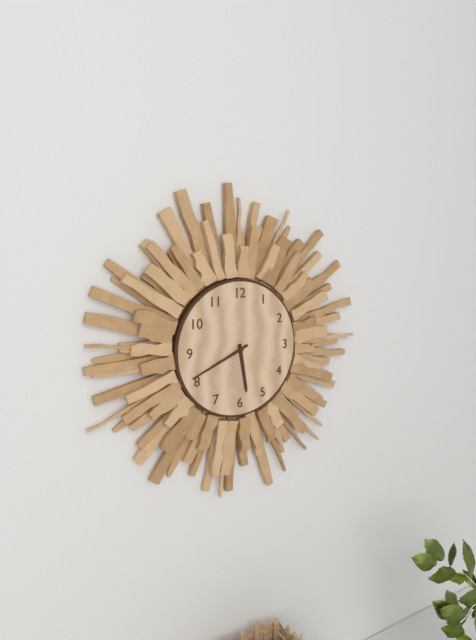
5:41
